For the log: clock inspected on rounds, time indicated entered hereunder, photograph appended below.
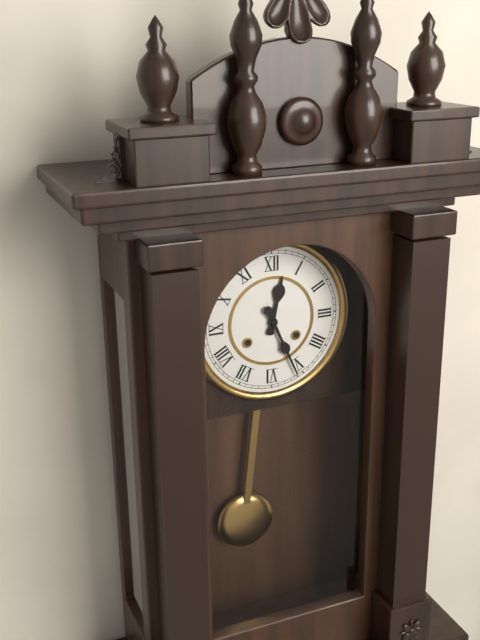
12:26
